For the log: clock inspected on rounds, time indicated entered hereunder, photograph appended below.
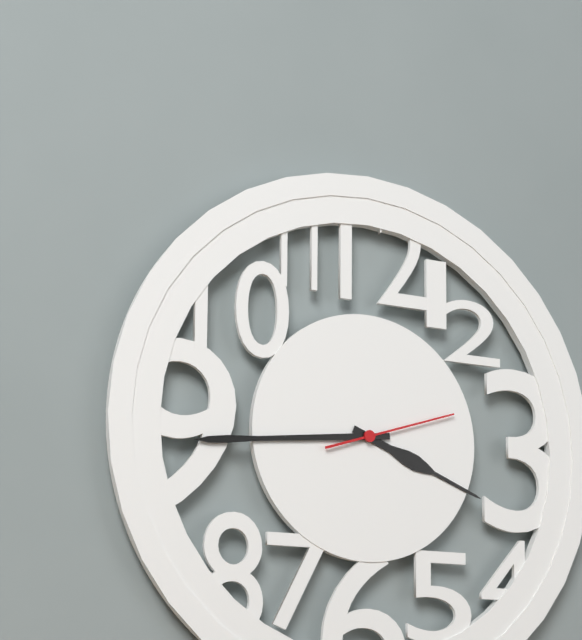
3:44:12
